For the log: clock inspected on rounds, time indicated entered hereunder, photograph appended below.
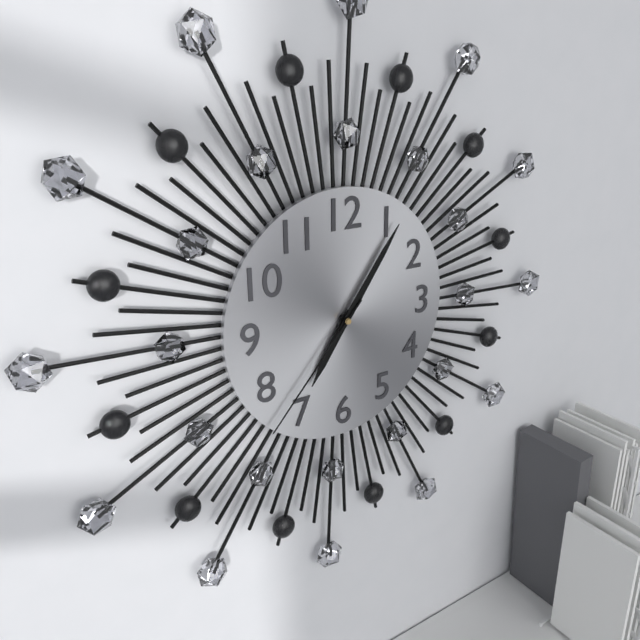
7:06:37
